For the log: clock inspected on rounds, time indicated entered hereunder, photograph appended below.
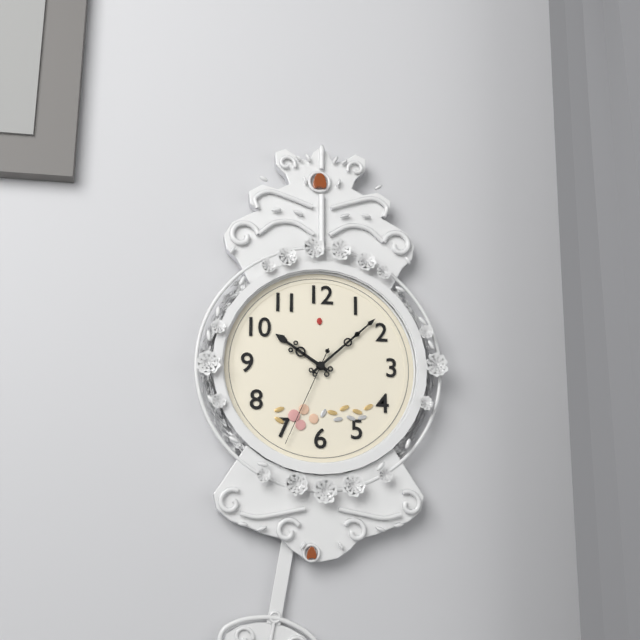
10:08:34
